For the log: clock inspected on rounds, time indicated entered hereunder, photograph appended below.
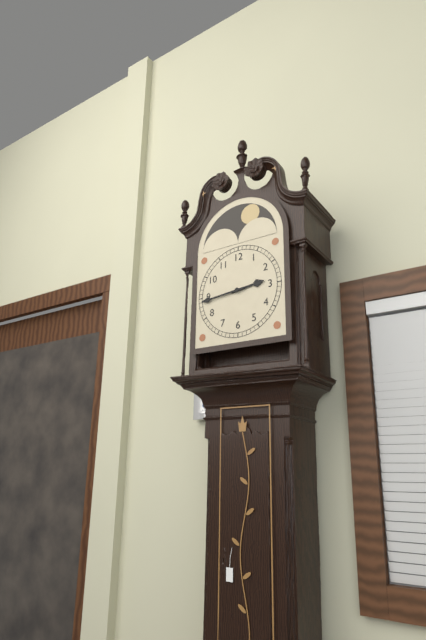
2:44
